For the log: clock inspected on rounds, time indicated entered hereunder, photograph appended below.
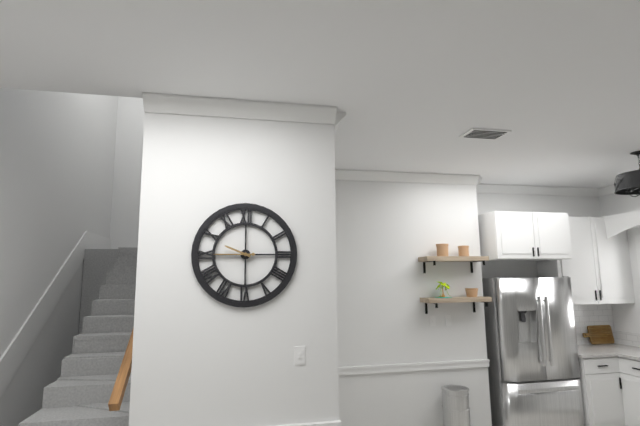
9:45
